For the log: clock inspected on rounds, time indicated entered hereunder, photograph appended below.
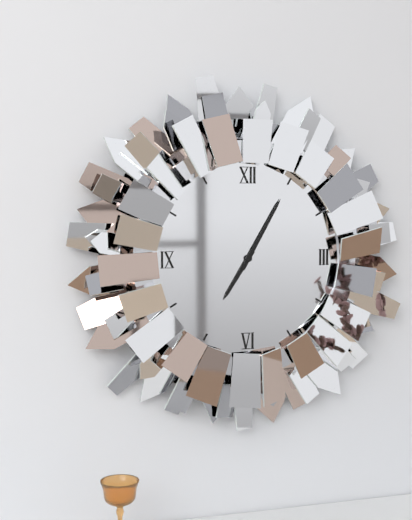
7:05
